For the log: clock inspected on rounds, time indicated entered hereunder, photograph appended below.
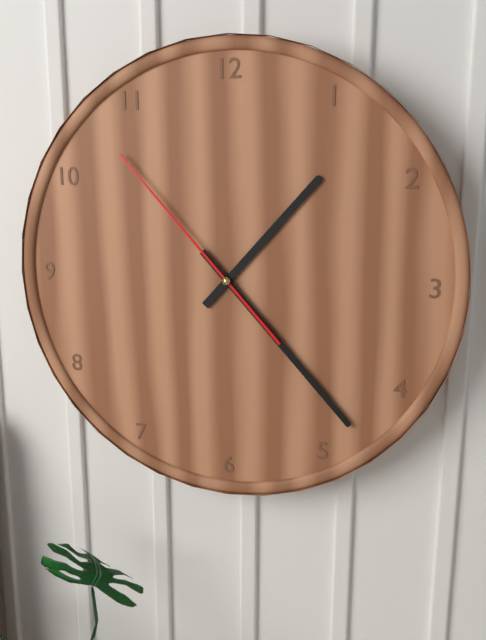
1:23:53
